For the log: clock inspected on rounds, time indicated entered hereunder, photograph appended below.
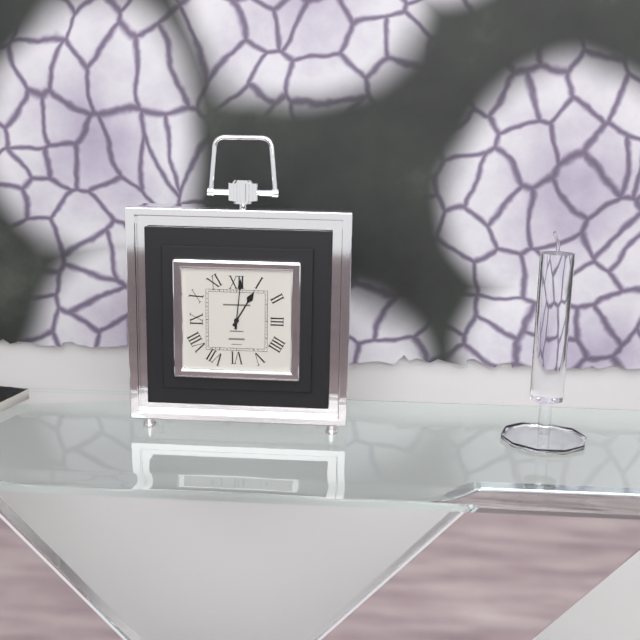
1:01
